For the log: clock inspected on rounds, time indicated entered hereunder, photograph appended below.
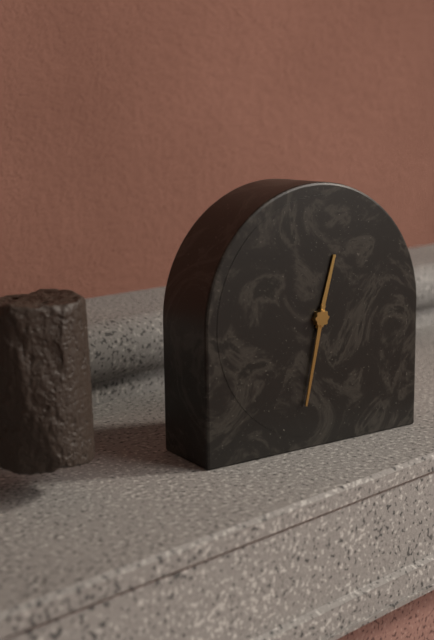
12:32
